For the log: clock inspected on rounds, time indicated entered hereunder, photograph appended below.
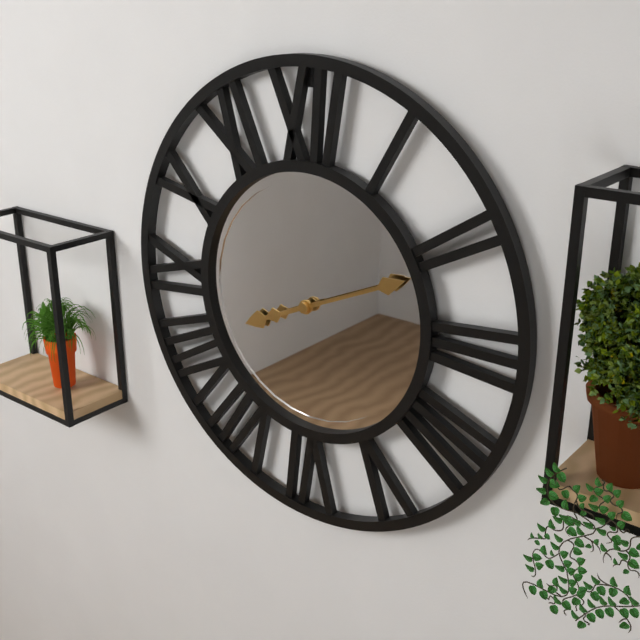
8:11
